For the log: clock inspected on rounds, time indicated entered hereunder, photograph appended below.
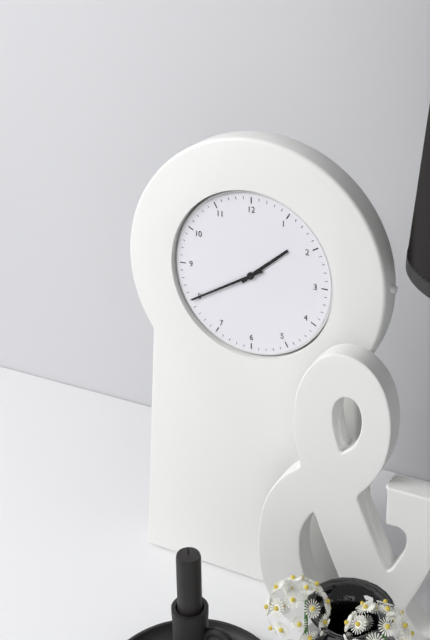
1:40
